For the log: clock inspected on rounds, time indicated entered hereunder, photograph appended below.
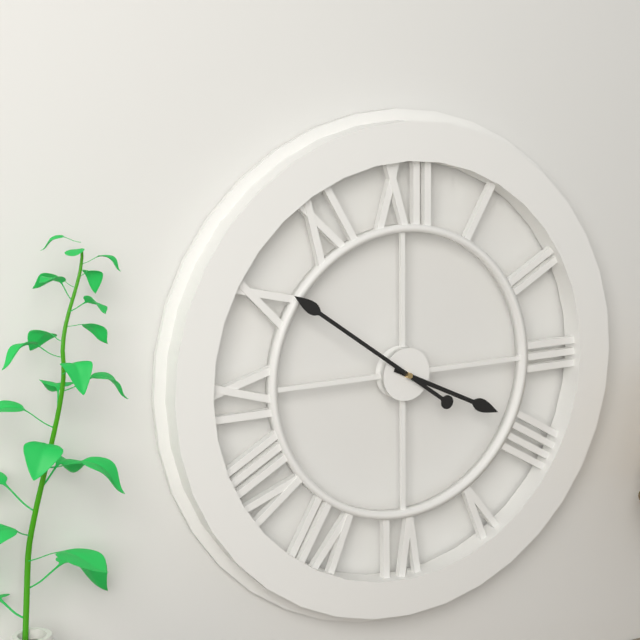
3:51
